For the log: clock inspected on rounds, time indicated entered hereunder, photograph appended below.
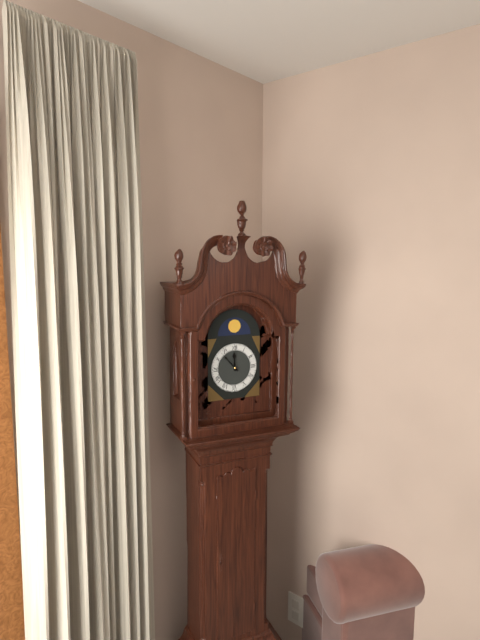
11:53
